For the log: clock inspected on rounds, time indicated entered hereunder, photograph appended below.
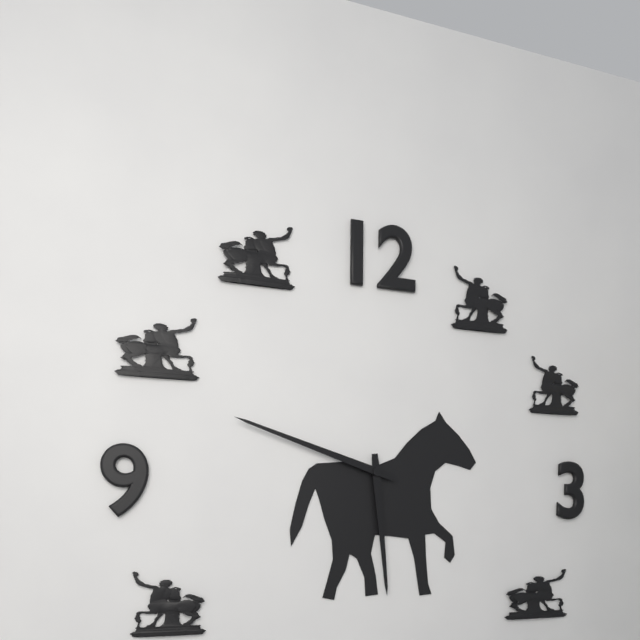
5:48
